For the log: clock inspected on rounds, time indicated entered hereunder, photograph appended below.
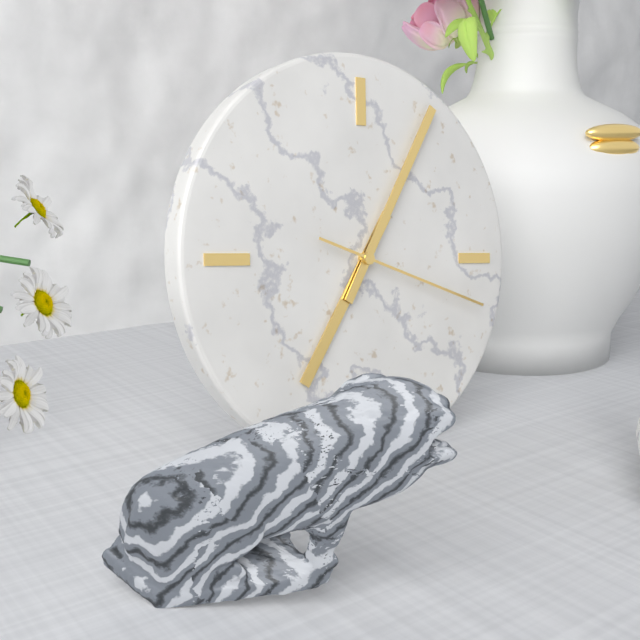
7:05:18
